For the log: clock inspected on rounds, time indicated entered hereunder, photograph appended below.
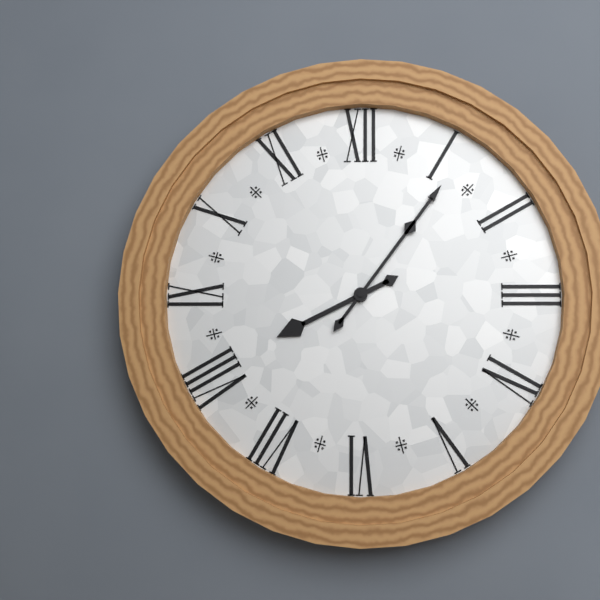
8:06
